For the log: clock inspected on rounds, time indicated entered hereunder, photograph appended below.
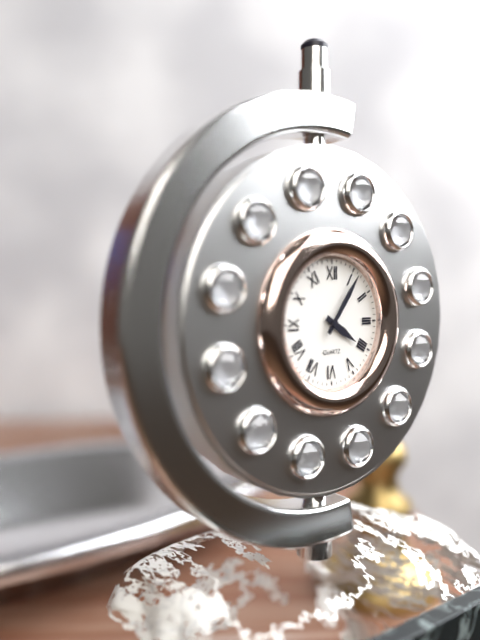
4:06
